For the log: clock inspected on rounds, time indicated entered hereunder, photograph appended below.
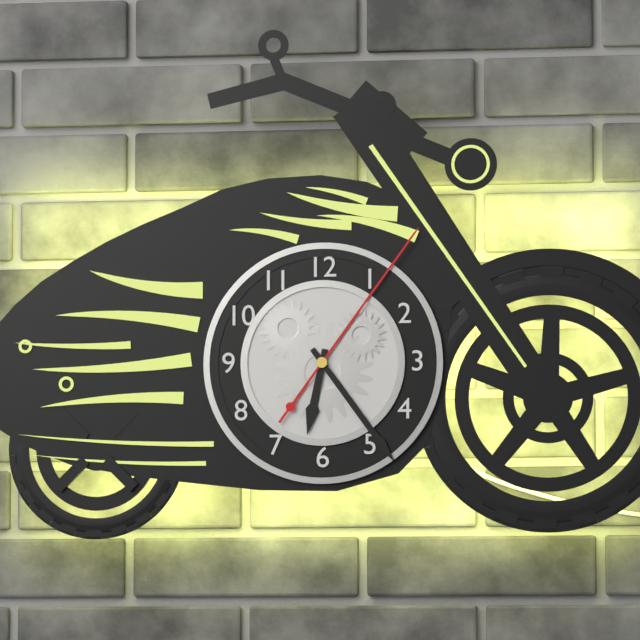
6:24:06
